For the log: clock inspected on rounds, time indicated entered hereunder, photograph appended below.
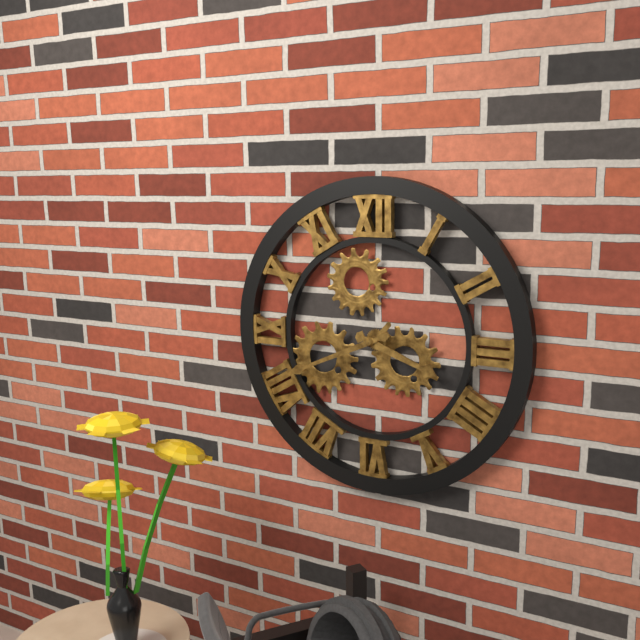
3:41
